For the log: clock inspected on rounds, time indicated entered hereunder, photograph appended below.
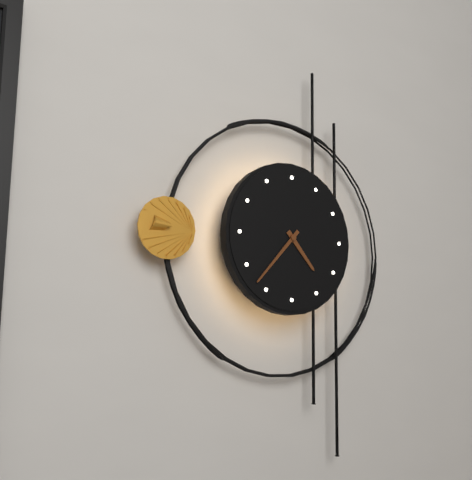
4:37
